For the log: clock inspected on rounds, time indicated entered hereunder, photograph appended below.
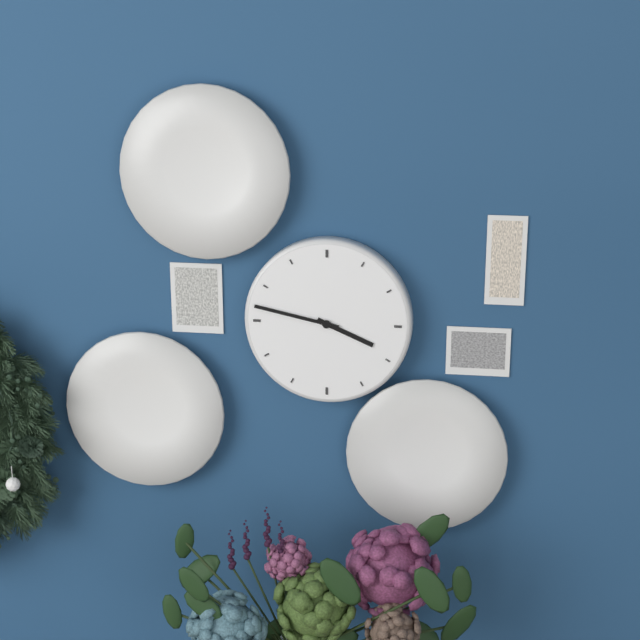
3:47
